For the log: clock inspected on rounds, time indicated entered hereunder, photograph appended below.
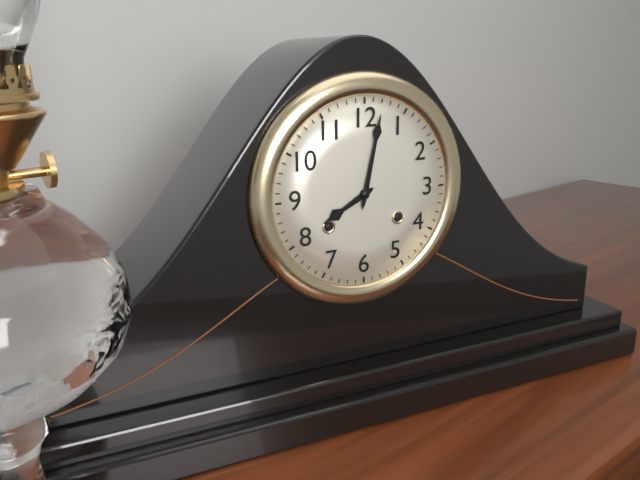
8:02
